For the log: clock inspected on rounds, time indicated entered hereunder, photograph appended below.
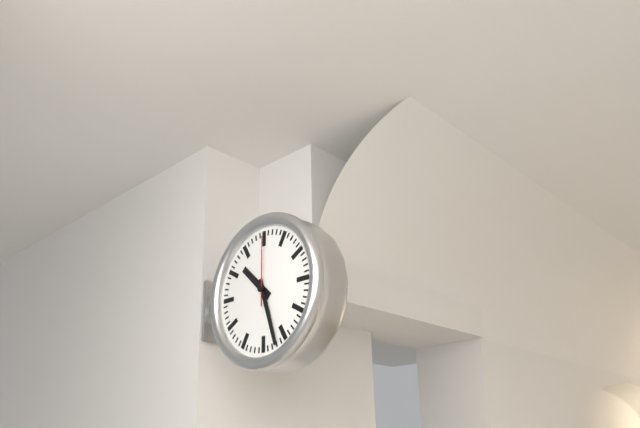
10:27:00
